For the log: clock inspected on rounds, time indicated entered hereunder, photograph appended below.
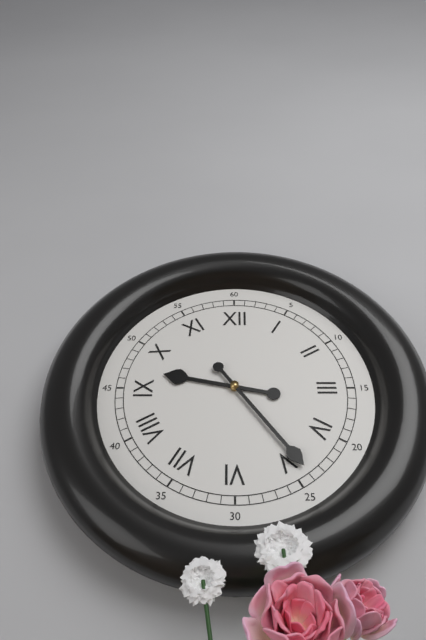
9:24
